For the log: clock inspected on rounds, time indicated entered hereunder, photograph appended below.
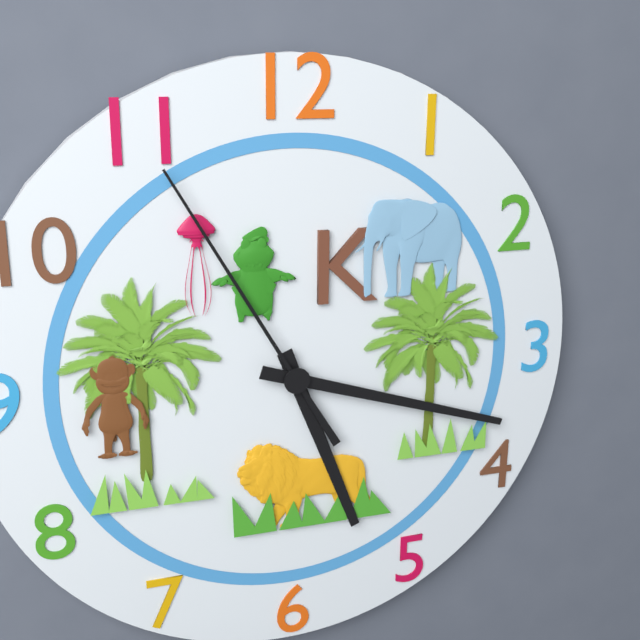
5:18:55
